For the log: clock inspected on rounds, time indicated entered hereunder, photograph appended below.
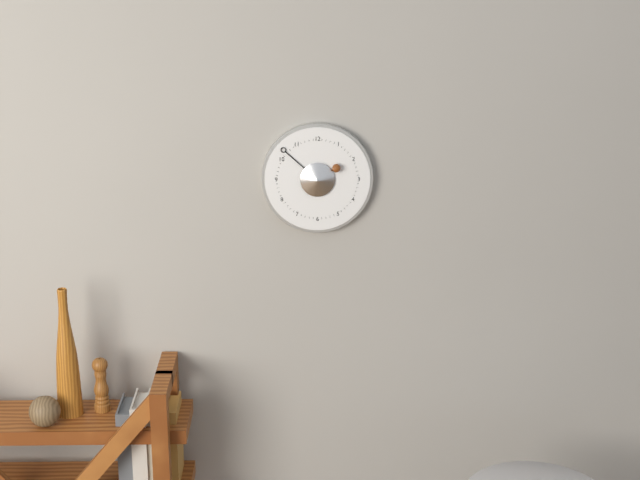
1:52
